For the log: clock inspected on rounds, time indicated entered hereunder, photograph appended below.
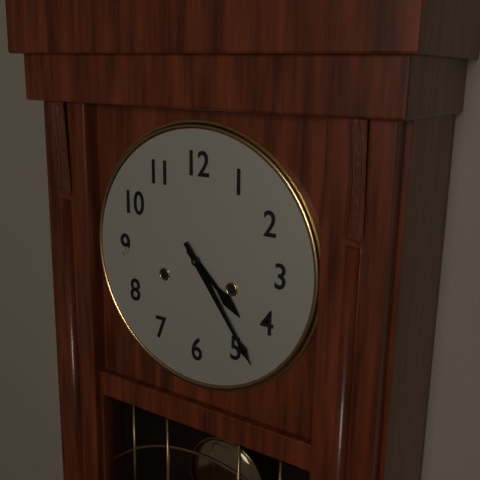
4:24
